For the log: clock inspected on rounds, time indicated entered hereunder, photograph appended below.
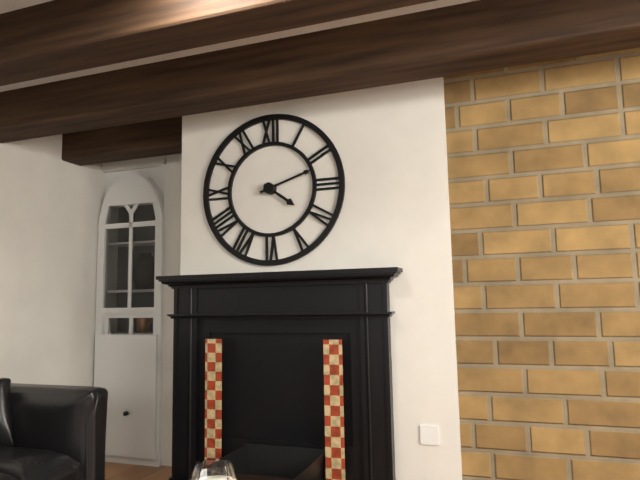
4:12
